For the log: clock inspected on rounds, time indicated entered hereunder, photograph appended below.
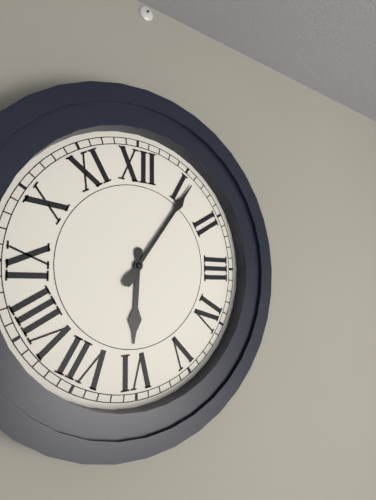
6:06
